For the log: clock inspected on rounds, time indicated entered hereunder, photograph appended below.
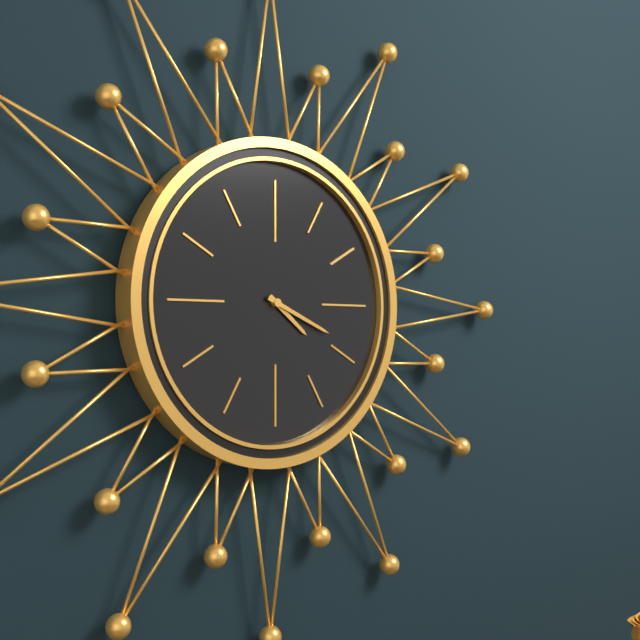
4:19
